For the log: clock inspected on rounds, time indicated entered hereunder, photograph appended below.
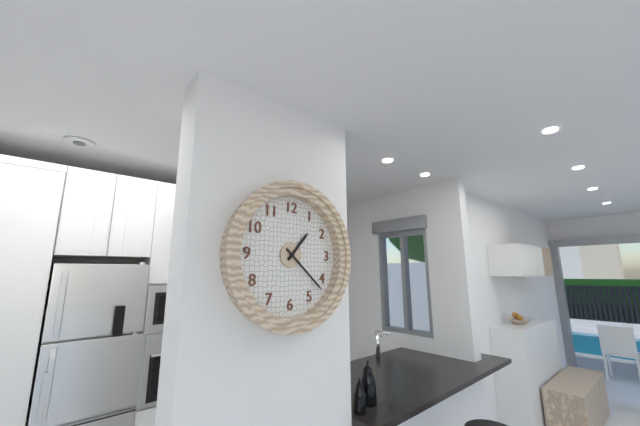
1:22
